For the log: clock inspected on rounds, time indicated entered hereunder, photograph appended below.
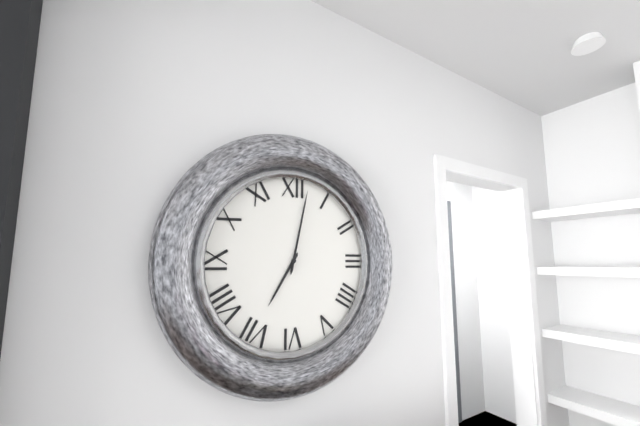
7:02
